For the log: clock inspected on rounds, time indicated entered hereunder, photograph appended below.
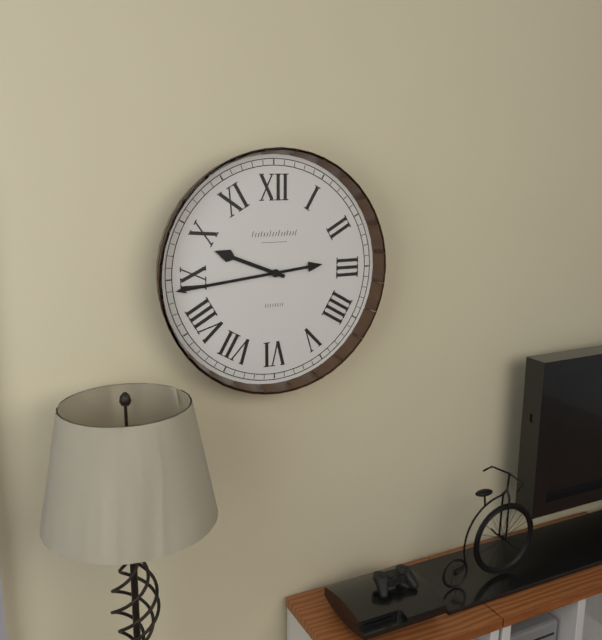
9:44
